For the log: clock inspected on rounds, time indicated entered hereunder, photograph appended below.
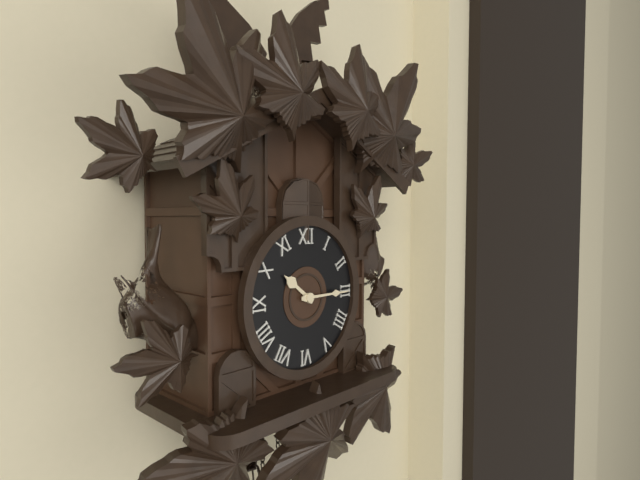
10:15
